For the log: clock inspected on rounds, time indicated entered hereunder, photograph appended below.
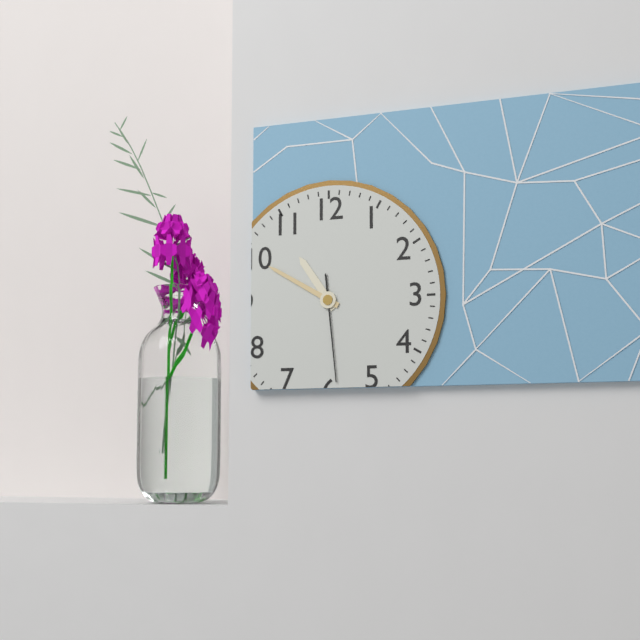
10:50:29
